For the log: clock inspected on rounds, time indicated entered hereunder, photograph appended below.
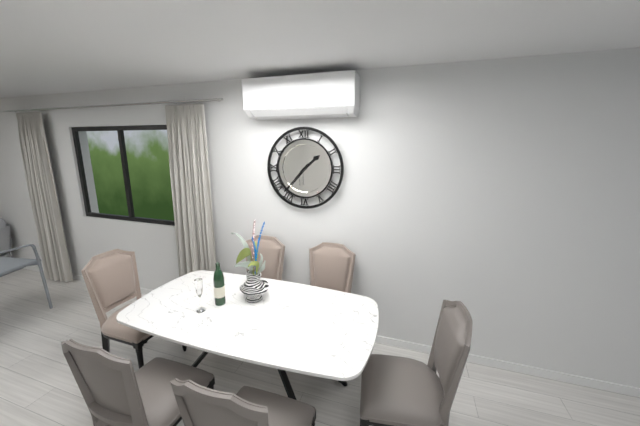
1:37
